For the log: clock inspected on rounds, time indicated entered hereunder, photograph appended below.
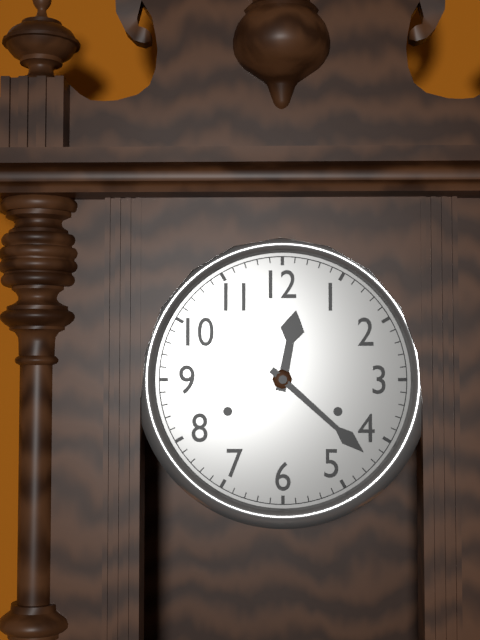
12:22
